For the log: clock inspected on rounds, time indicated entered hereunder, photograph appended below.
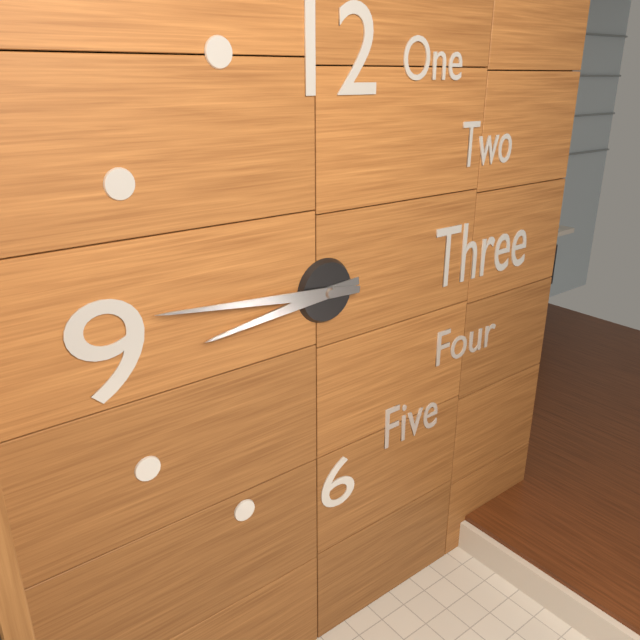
8:46
